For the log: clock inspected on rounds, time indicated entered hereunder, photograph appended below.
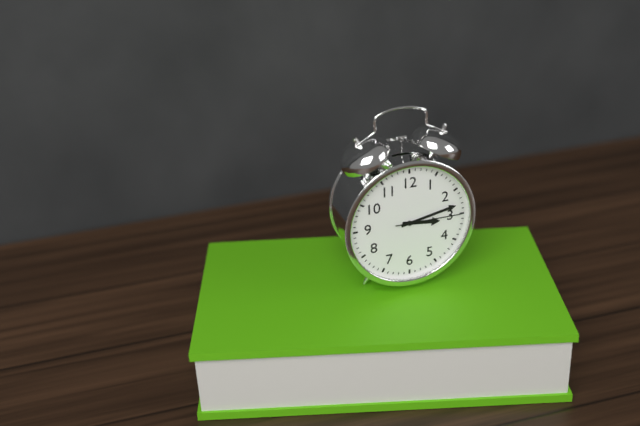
3:13:15
